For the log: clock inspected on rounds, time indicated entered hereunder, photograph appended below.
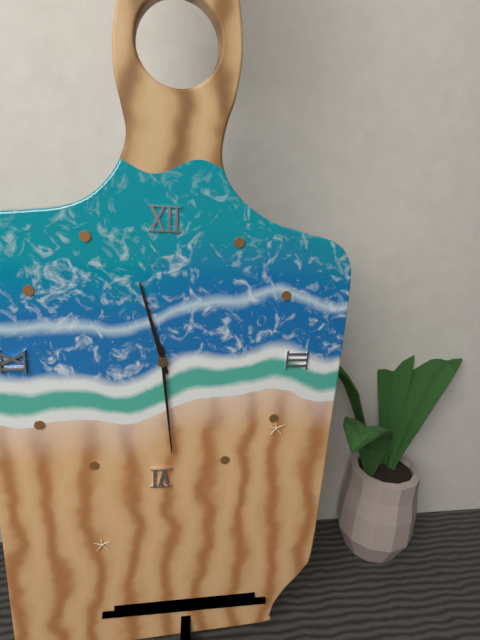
11:29
